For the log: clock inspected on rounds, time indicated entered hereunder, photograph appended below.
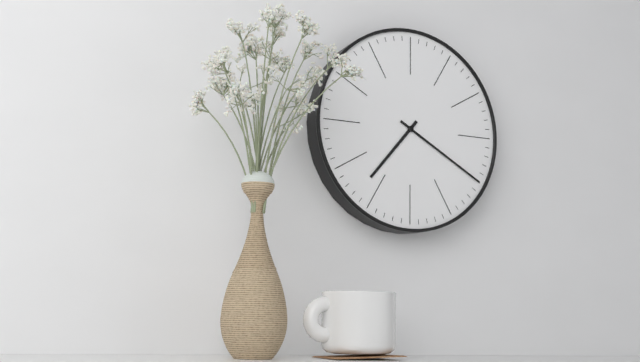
7:20
